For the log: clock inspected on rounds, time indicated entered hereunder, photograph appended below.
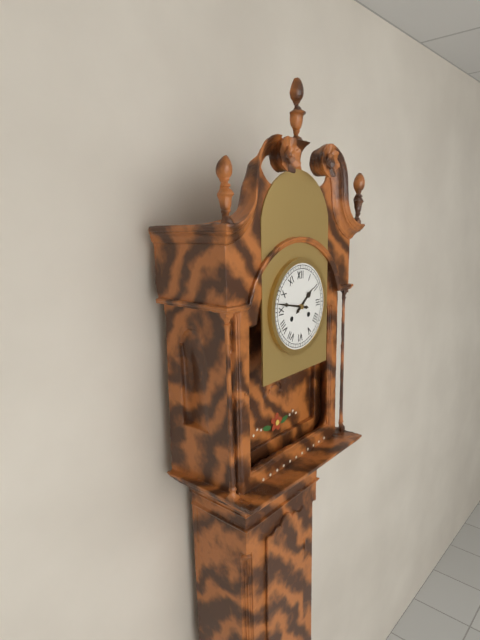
1:47
